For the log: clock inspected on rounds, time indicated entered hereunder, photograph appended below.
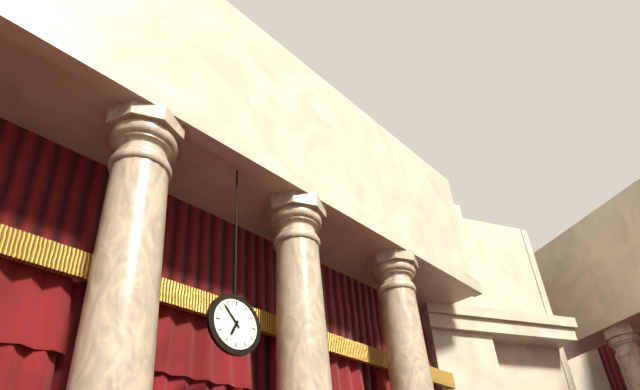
6:53
